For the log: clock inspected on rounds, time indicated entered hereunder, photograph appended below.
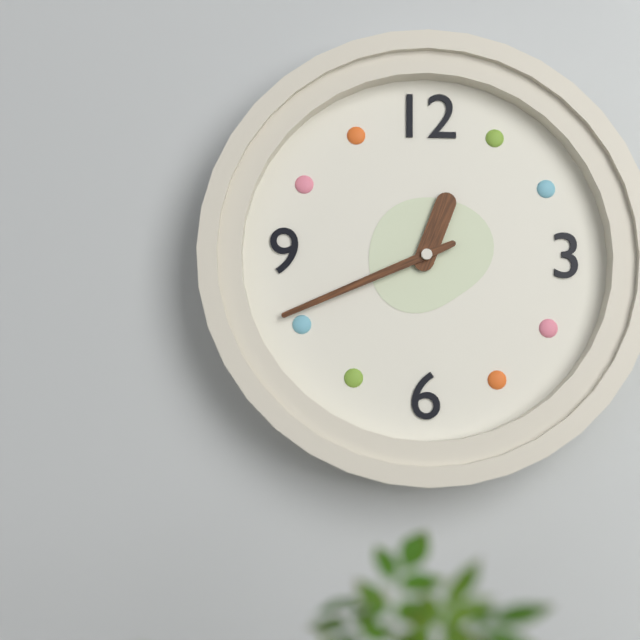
12:41
